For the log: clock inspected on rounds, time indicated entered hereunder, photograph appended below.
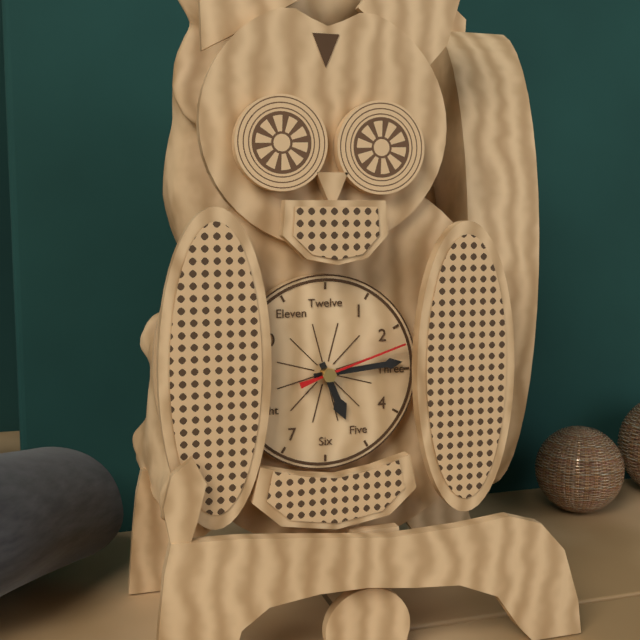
5:14:12
